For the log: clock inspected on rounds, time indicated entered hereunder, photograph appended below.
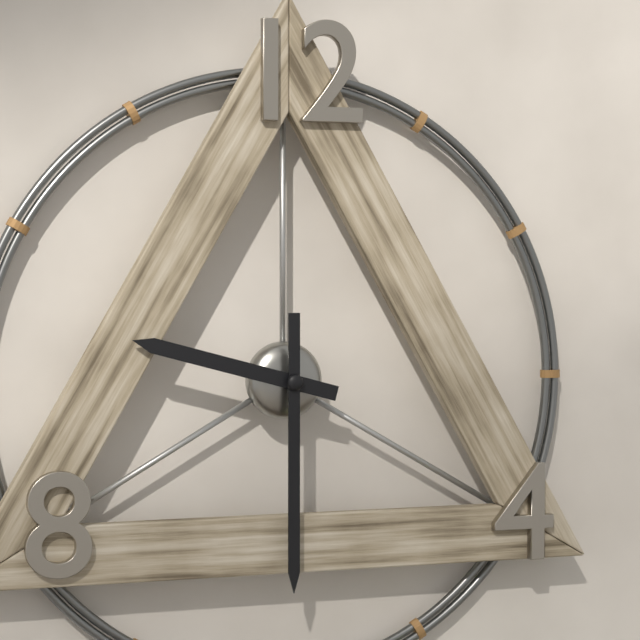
9:30
